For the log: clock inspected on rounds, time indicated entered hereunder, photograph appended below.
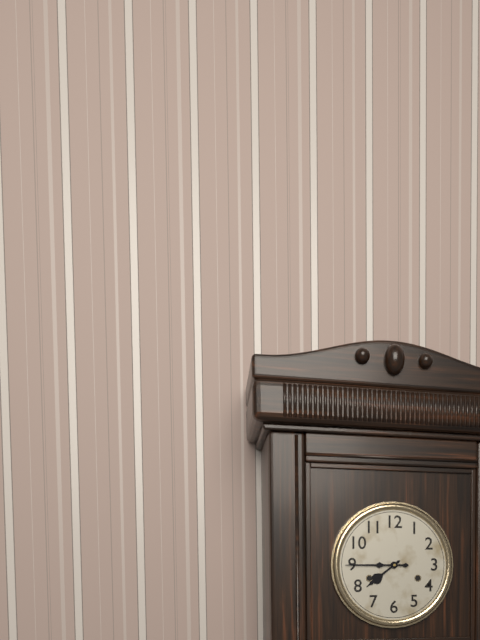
7:45
